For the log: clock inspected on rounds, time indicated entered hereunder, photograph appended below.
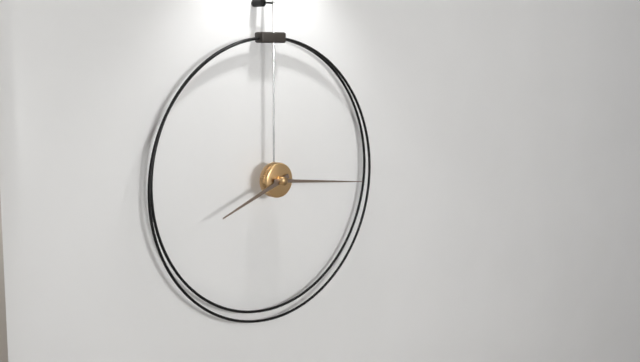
8:16
